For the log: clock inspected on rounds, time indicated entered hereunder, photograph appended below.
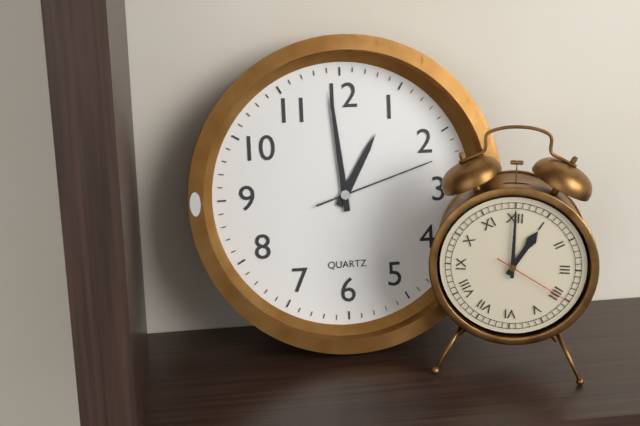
12:59:12
